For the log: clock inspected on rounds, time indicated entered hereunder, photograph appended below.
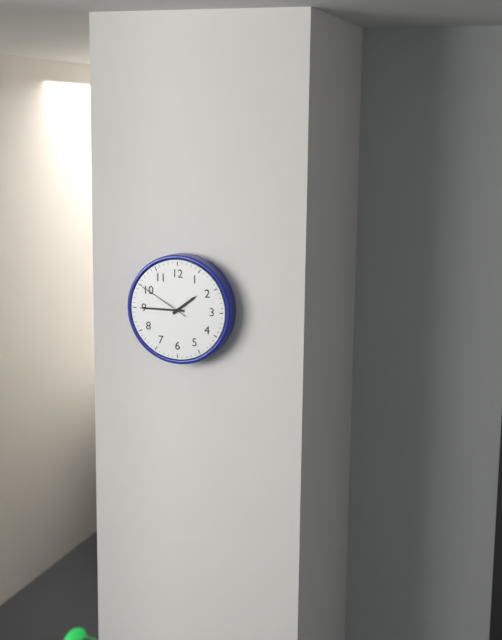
1:45:50
